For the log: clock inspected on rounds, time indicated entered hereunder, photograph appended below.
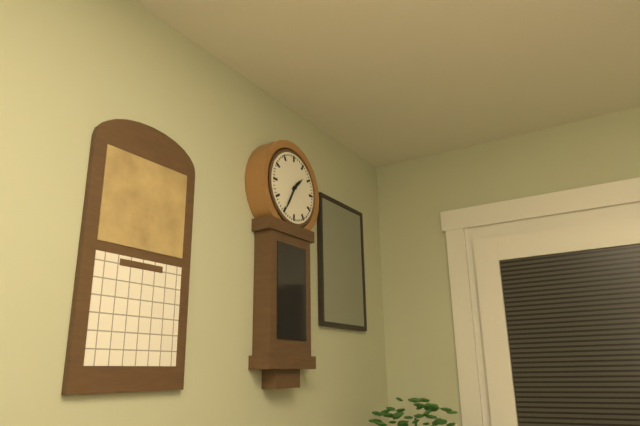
1:35
